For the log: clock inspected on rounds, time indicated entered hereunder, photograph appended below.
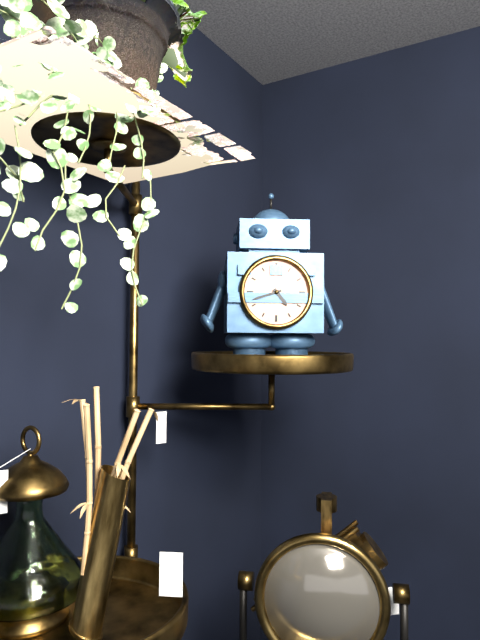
4:42
